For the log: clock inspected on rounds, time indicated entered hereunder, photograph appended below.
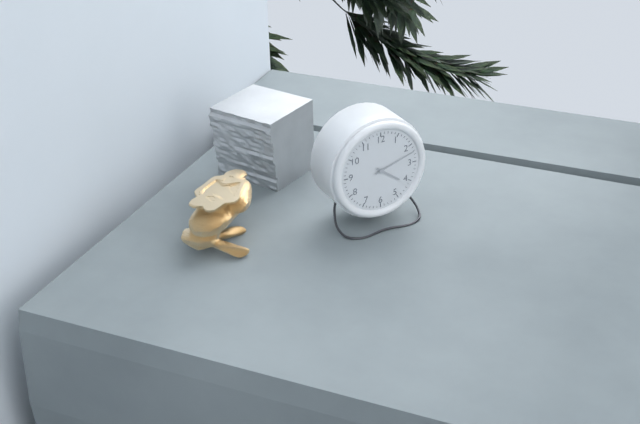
4:12
